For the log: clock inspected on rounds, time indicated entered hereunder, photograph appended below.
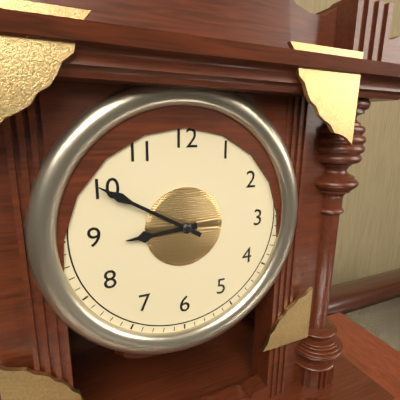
8:50
